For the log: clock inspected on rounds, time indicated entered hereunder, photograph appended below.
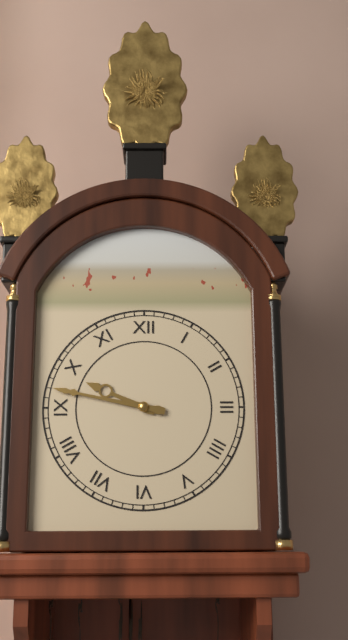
9:47
